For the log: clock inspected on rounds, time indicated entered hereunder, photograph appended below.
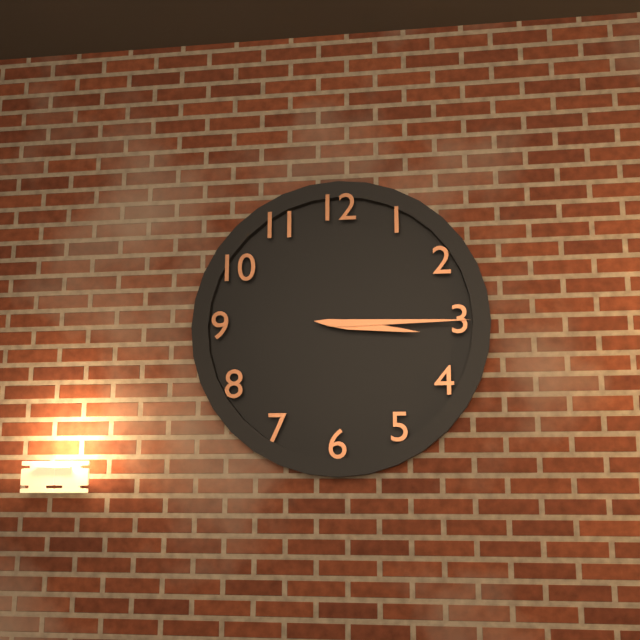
3:15
